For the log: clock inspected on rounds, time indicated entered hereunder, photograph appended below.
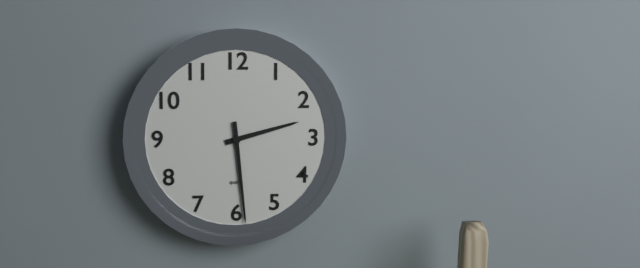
2:29
